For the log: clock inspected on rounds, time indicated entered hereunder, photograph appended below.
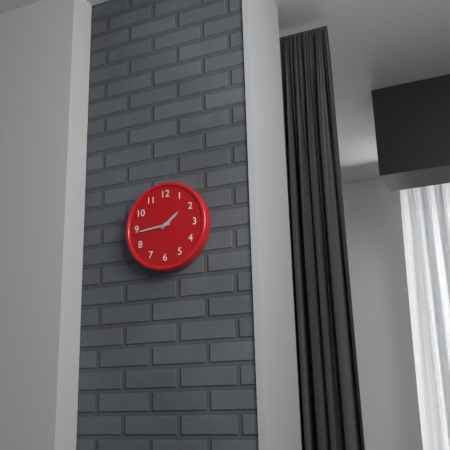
1:44
